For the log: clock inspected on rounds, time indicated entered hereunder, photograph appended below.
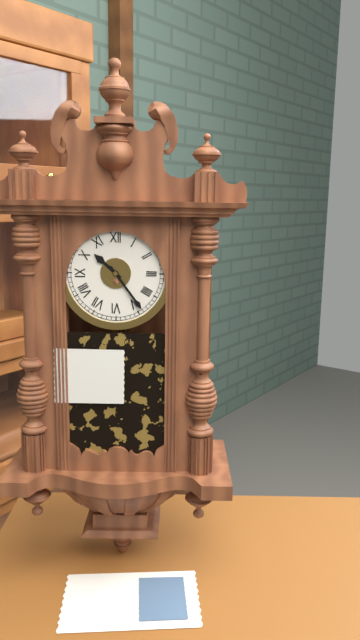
10:24
